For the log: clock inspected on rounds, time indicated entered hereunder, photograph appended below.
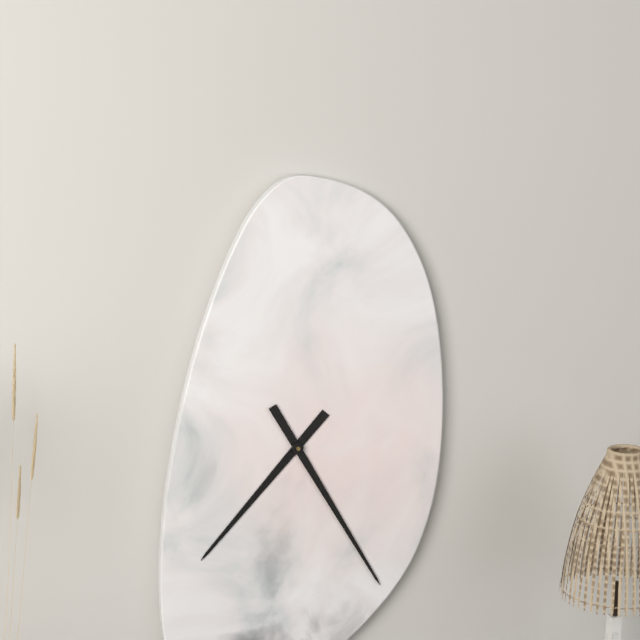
7:25
